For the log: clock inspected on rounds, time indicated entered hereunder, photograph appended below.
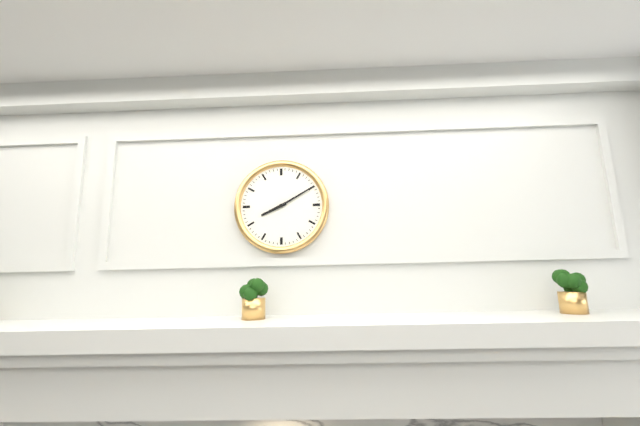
8:10
